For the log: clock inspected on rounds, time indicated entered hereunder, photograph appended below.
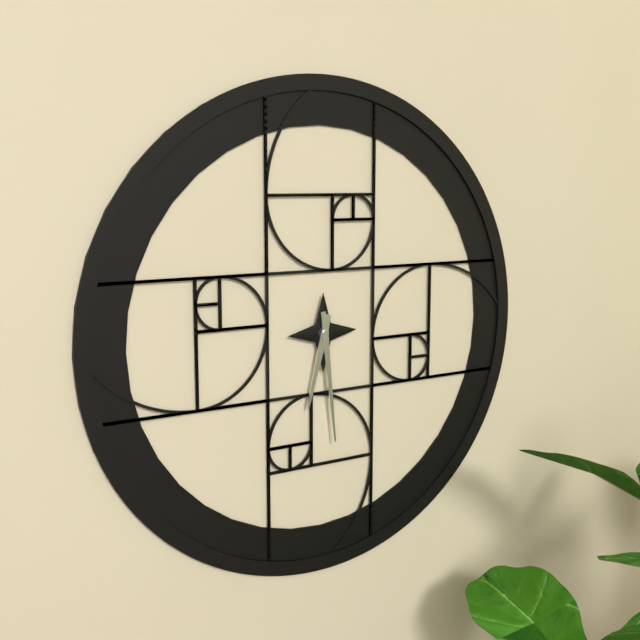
6:29
